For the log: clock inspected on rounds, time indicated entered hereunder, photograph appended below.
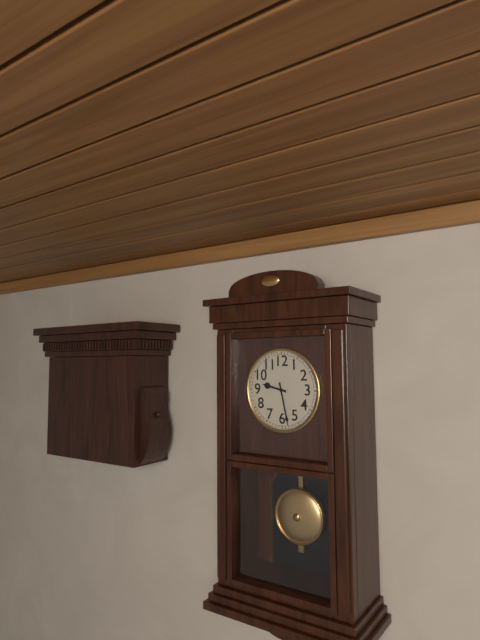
9:28
